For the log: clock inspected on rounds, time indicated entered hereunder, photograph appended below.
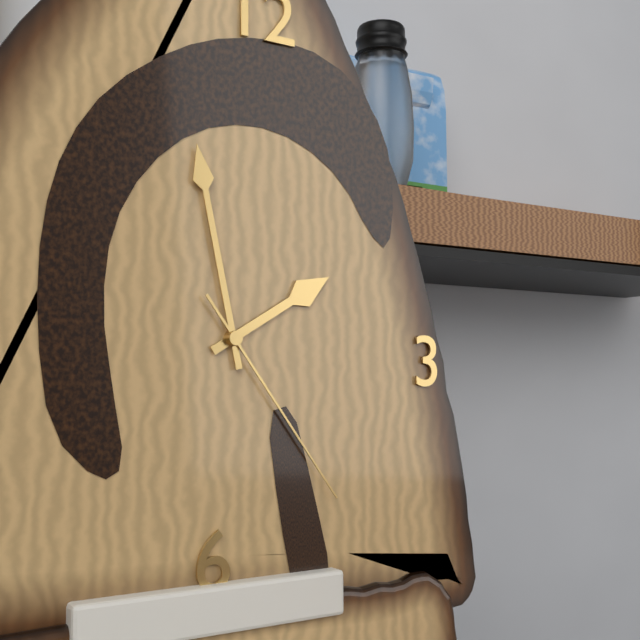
1:58:24
